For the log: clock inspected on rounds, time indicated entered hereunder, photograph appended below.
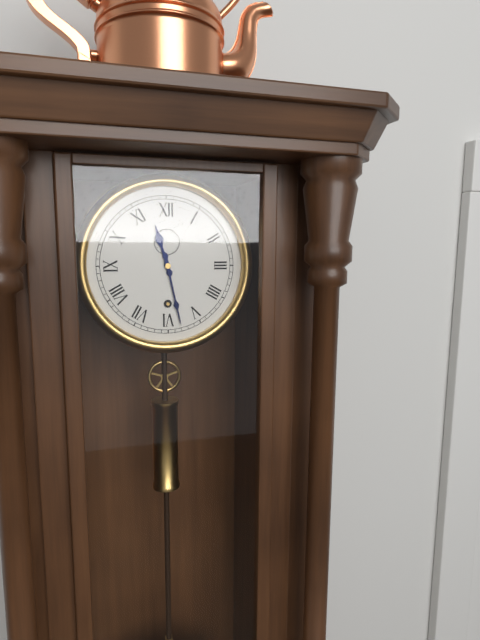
11:28
